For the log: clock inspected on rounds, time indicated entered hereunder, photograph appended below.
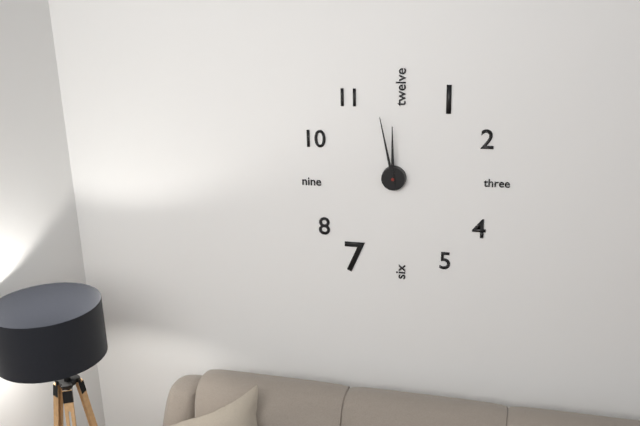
11:58
